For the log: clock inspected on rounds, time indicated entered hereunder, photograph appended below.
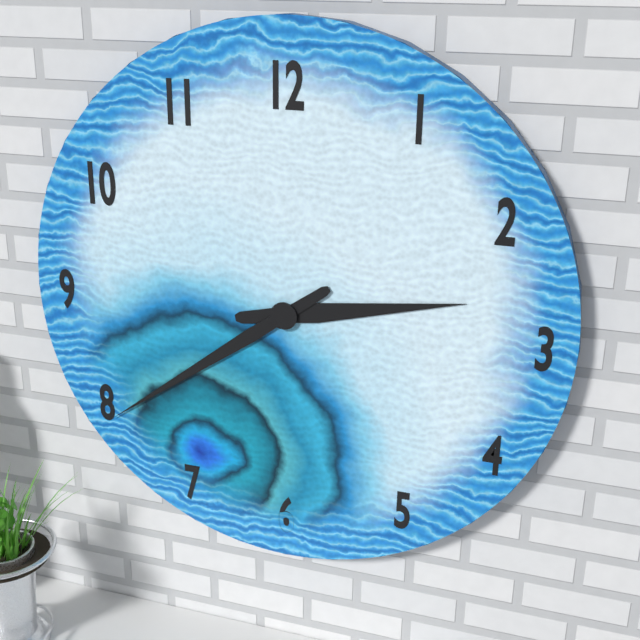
2:39
